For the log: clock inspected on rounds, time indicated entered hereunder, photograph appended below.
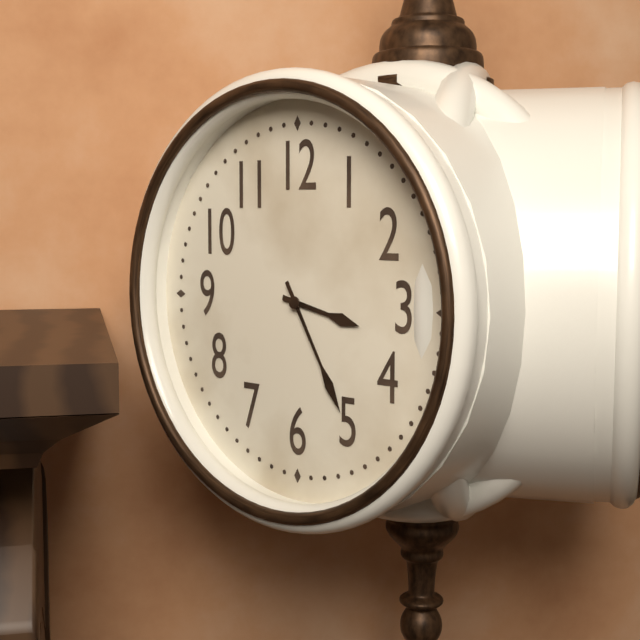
3:25
